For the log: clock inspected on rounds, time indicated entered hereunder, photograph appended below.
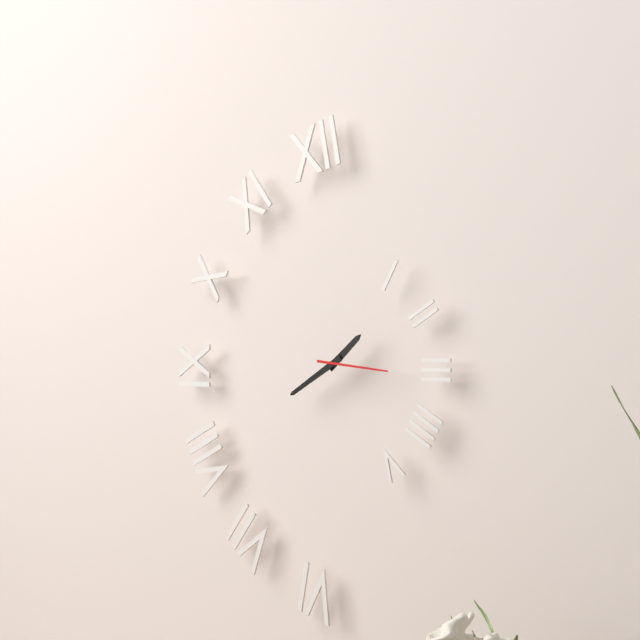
1:40:16
